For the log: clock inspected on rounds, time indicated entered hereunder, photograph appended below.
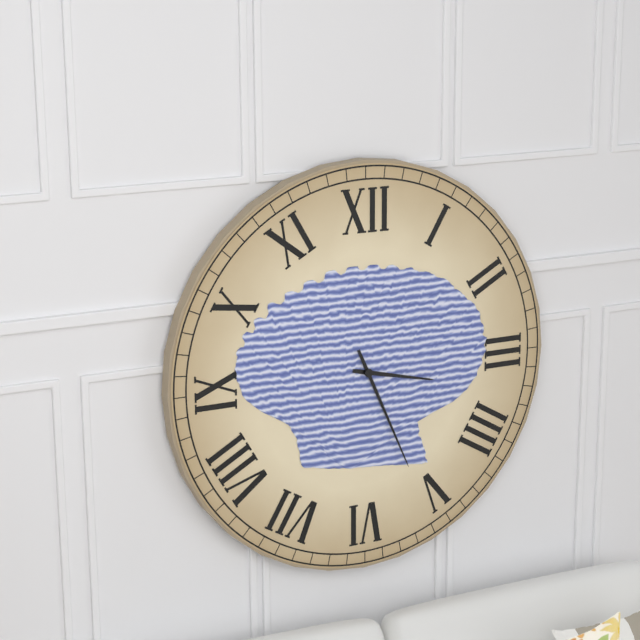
3:26
